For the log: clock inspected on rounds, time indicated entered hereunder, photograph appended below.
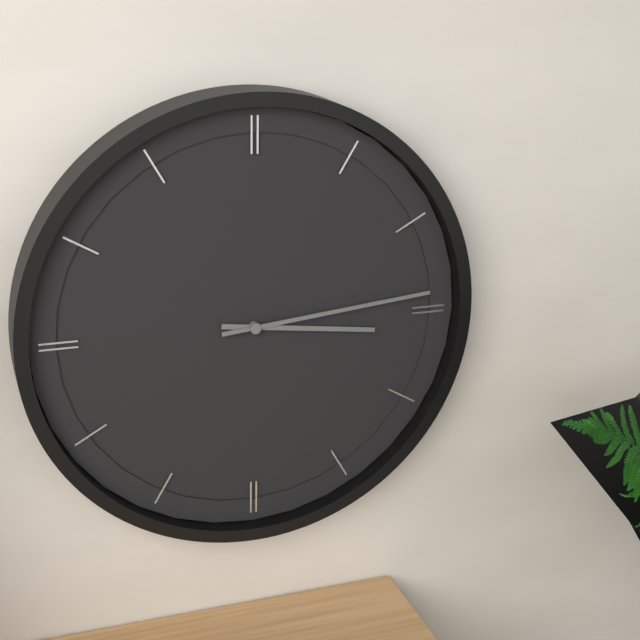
3:14
